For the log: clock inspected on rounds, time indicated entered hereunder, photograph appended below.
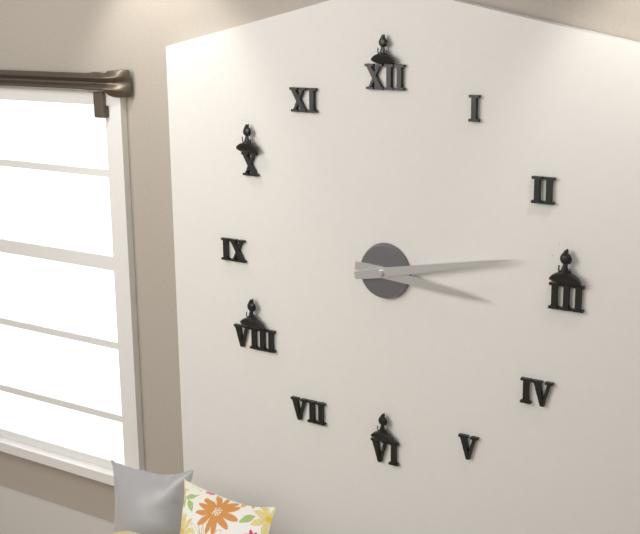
3:13
